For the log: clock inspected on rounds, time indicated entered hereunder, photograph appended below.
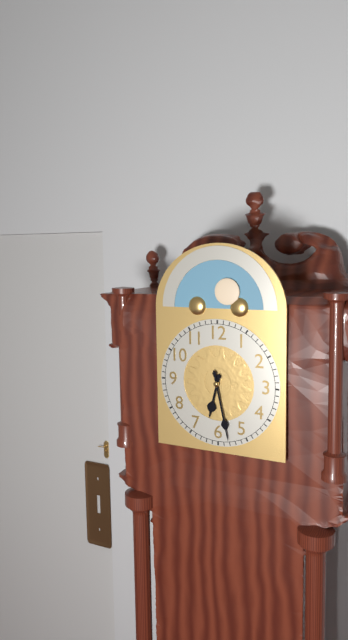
6:28
